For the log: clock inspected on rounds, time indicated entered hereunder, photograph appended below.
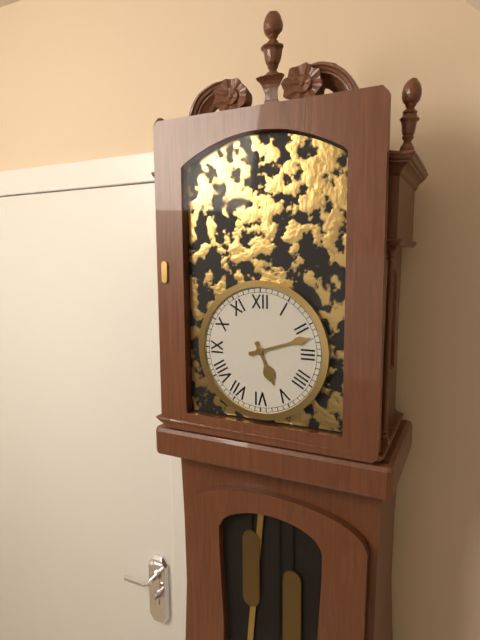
5:12
